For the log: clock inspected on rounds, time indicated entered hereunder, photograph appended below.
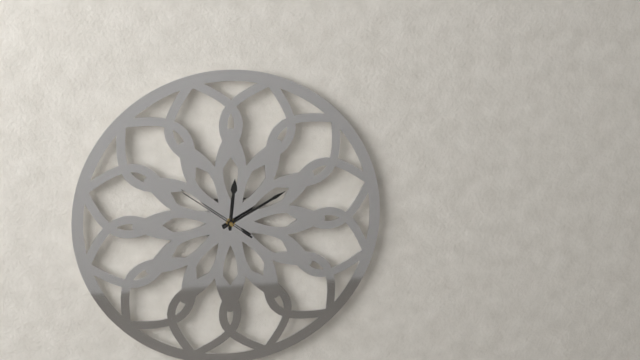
12:10:51
